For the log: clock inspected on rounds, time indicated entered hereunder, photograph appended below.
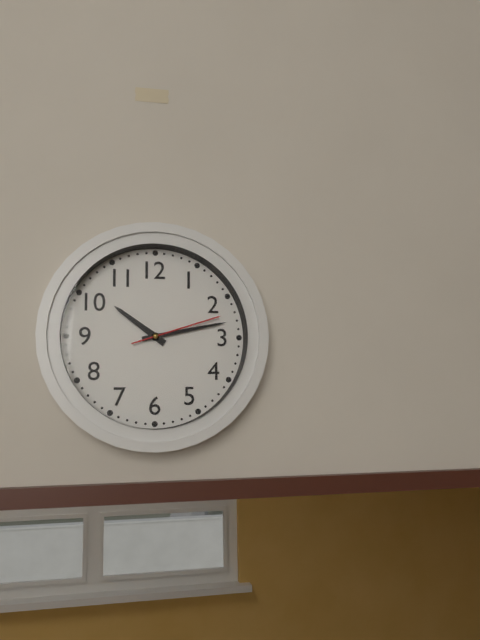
10:13:12
